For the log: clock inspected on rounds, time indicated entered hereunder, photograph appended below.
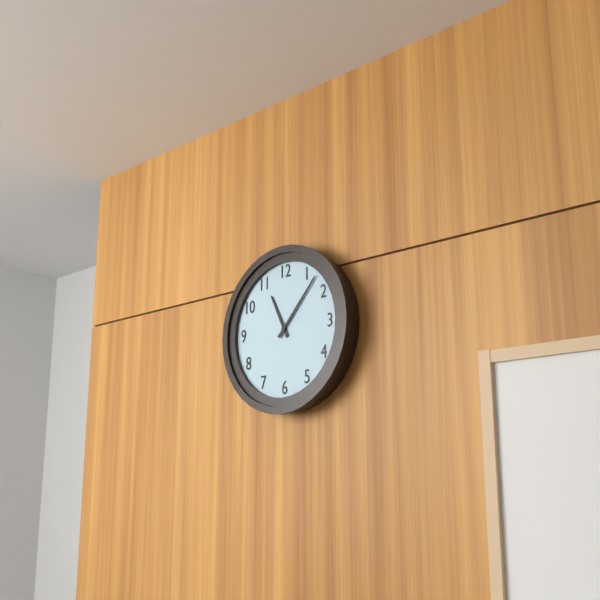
11:07
